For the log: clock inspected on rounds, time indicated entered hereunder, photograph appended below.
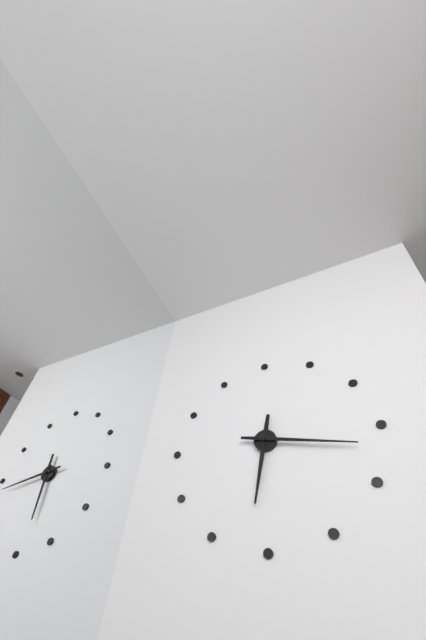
6:17
